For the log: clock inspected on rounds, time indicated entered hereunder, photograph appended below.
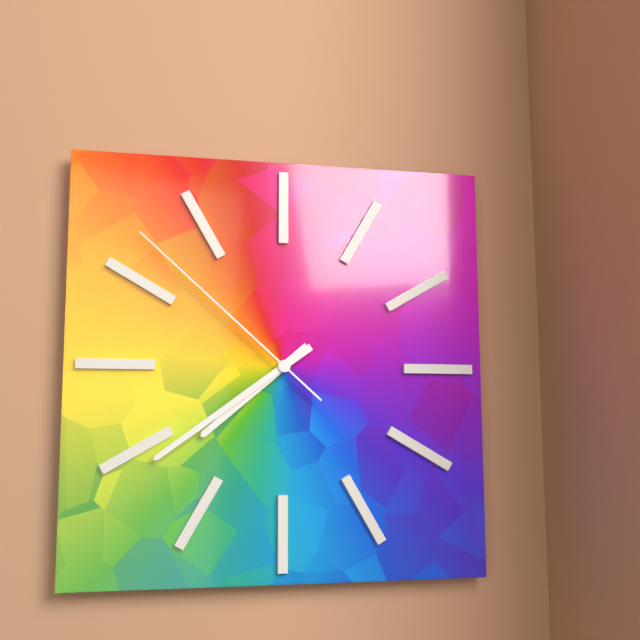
7:39:52
